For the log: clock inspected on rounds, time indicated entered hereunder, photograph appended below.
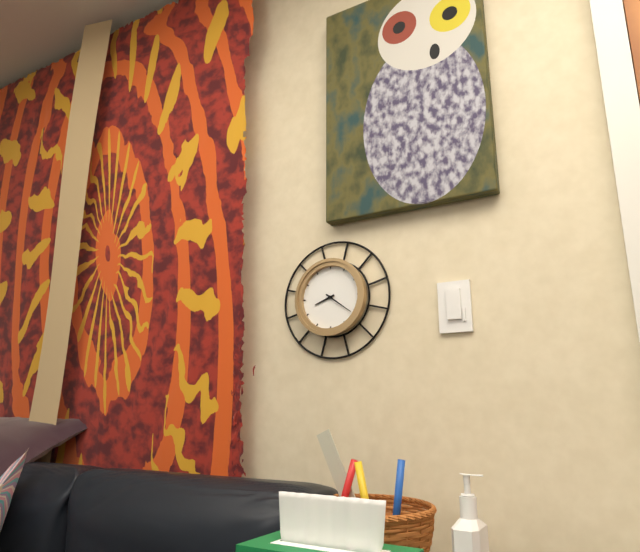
8:21
